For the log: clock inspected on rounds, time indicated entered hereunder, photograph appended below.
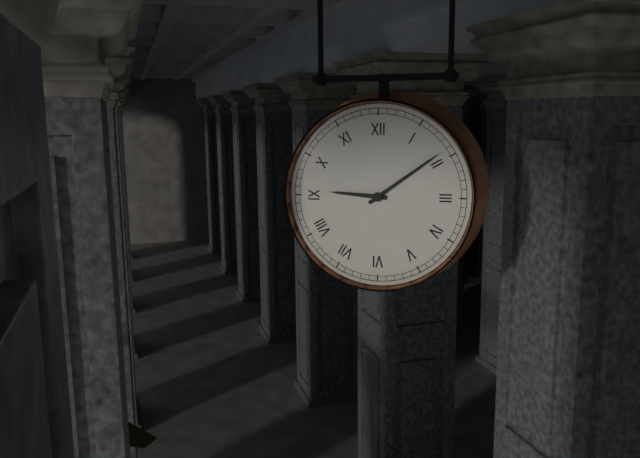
9:09
